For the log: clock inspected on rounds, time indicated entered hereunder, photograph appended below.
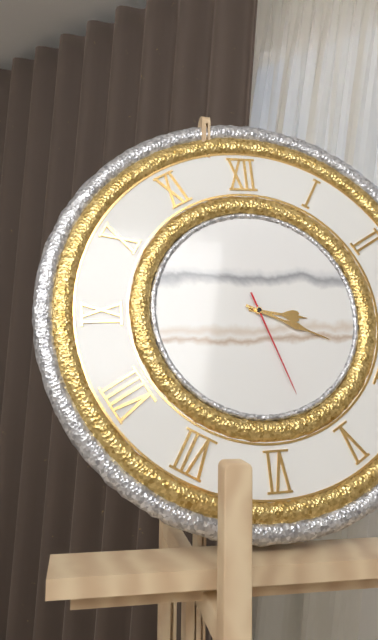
3:19:27
